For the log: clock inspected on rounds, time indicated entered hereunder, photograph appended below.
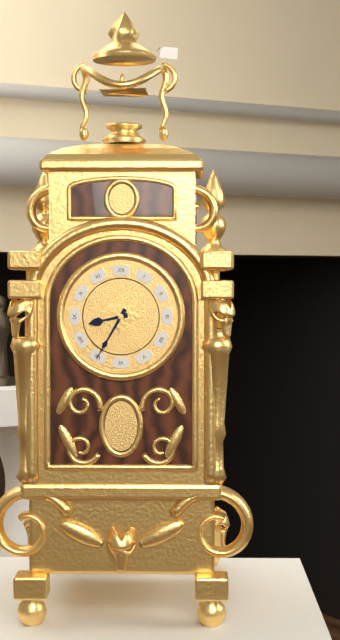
8:35
